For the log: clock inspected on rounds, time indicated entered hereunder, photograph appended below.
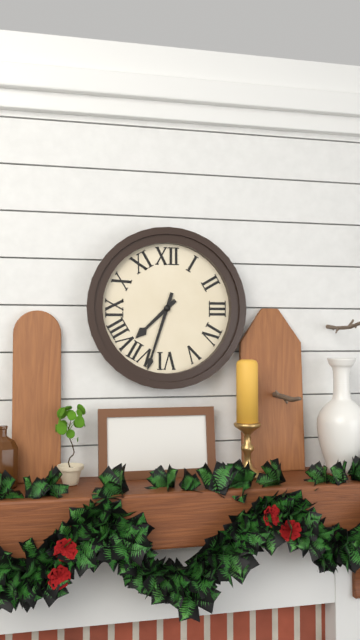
7:33
